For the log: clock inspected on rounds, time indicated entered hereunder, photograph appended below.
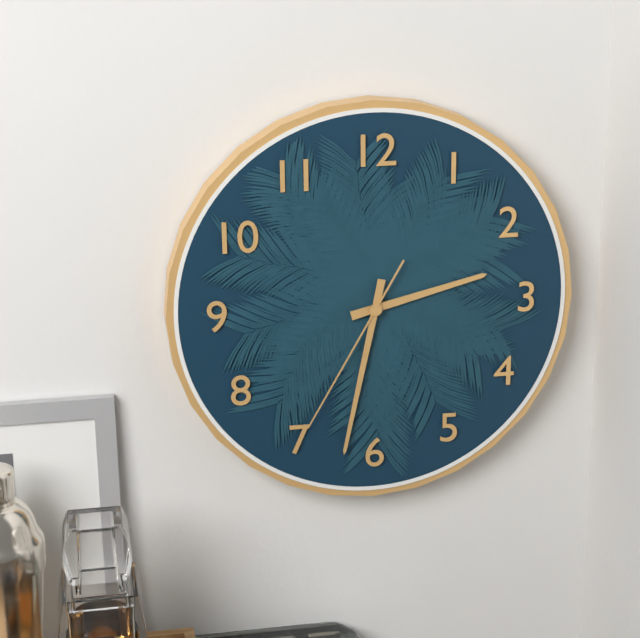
2:32:35
